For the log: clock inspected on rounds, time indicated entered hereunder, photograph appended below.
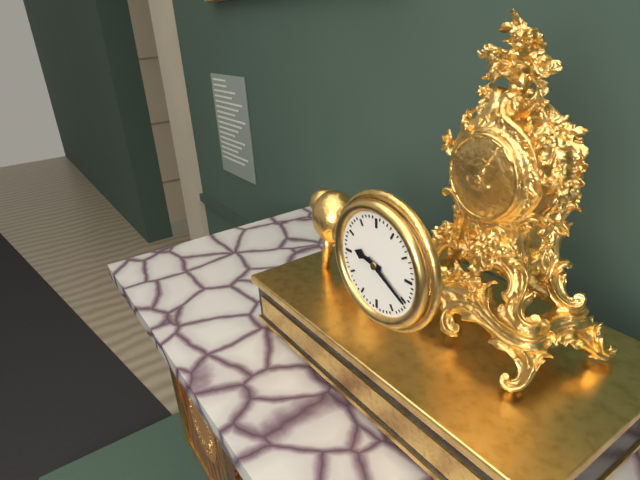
9:20
